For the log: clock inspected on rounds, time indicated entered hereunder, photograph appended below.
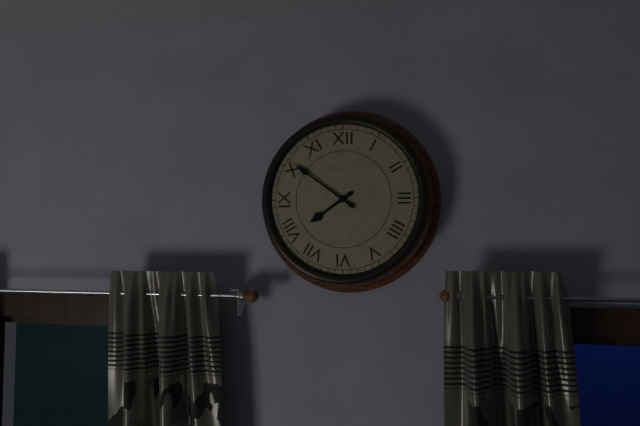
7:51
